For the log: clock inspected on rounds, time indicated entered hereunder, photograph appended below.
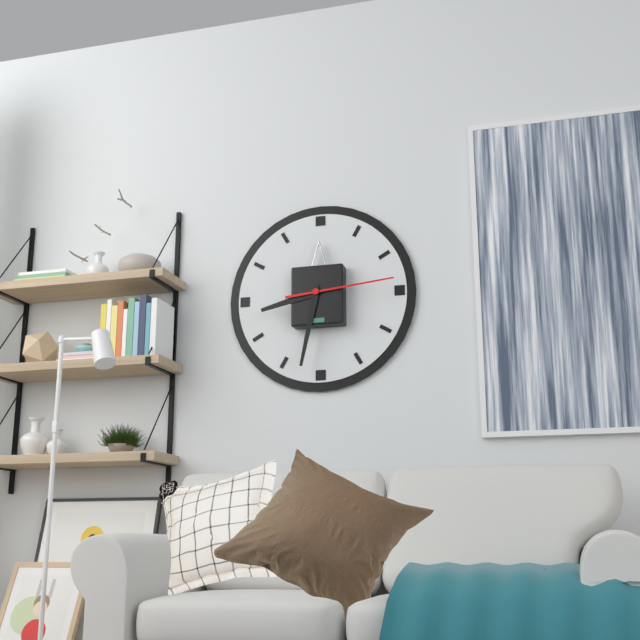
8:32:14
